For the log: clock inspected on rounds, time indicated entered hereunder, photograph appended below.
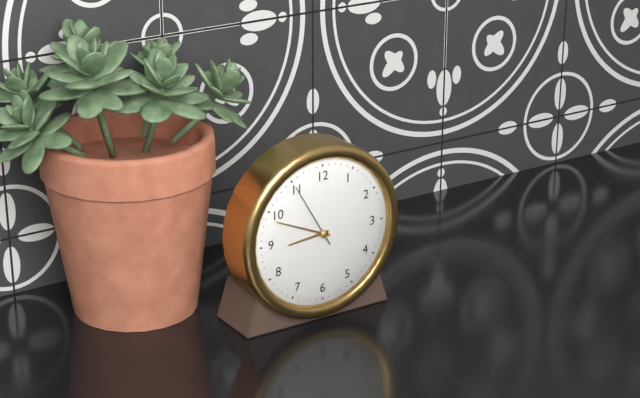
8:49:55
